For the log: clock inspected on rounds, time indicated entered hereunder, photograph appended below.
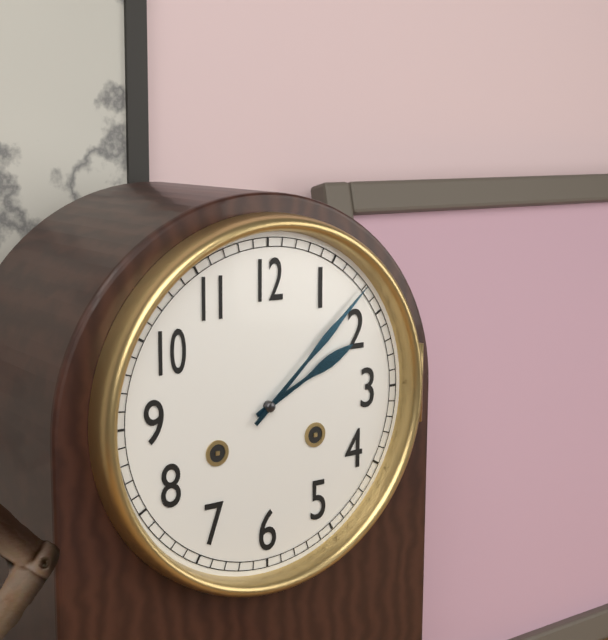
2:08
